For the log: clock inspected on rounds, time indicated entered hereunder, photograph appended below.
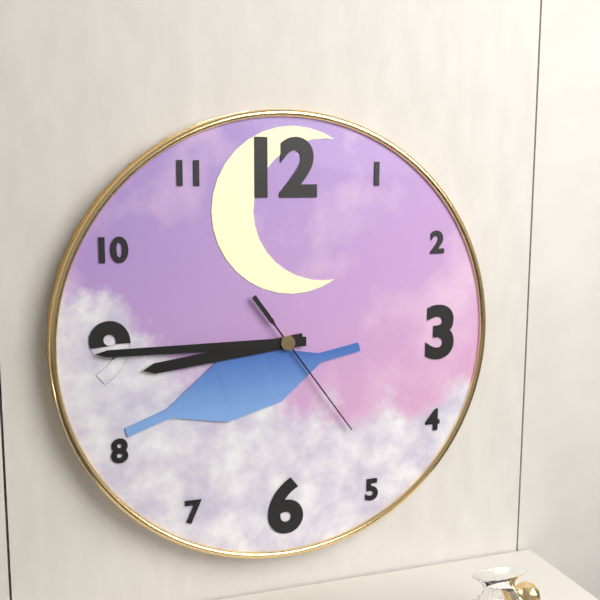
8:45:24
